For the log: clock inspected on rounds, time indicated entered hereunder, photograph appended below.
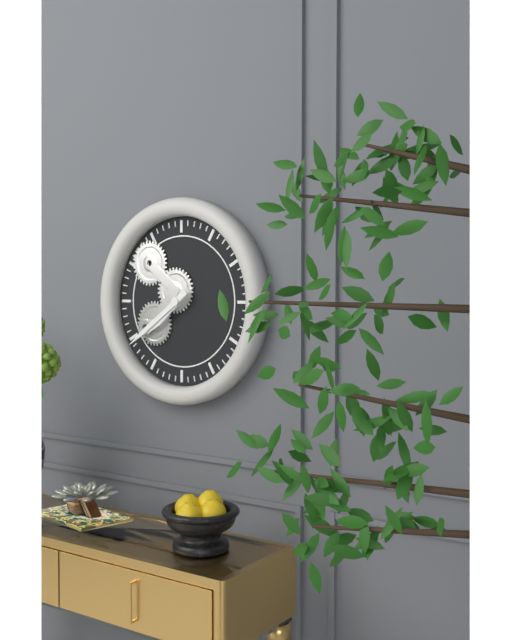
7:39
